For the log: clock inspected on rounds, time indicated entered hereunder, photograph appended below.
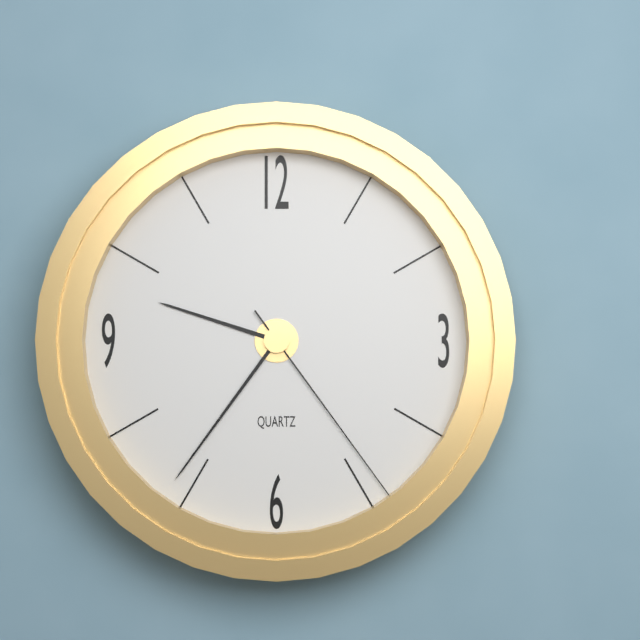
9:36:24
